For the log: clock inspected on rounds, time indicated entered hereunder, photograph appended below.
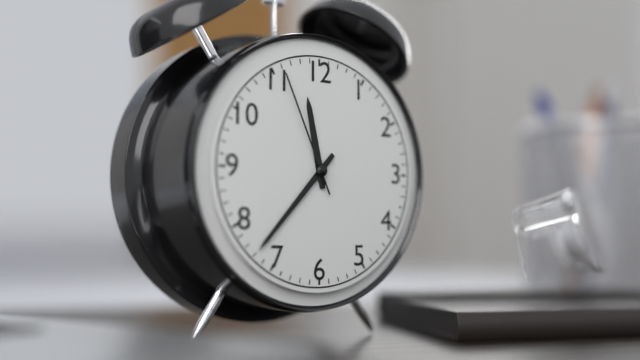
11:37:56
